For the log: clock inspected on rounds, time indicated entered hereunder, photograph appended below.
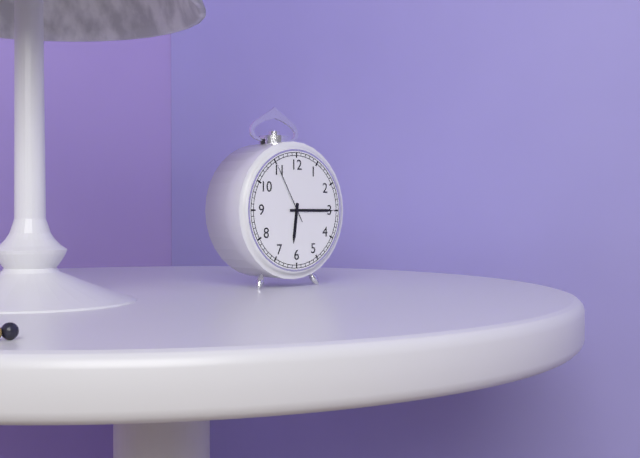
6:15:55
